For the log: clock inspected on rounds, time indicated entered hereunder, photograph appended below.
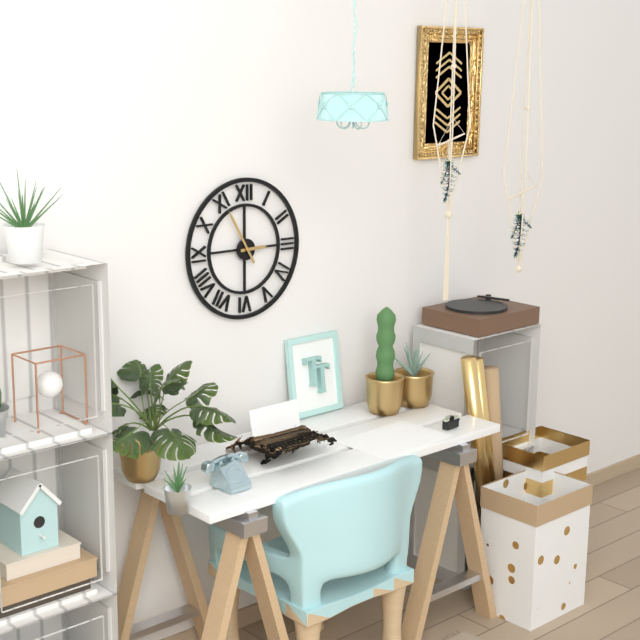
2:55
